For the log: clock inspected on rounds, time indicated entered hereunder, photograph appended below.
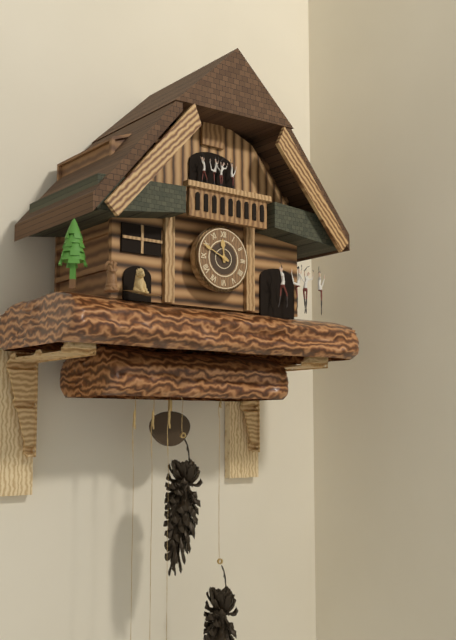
11:49
